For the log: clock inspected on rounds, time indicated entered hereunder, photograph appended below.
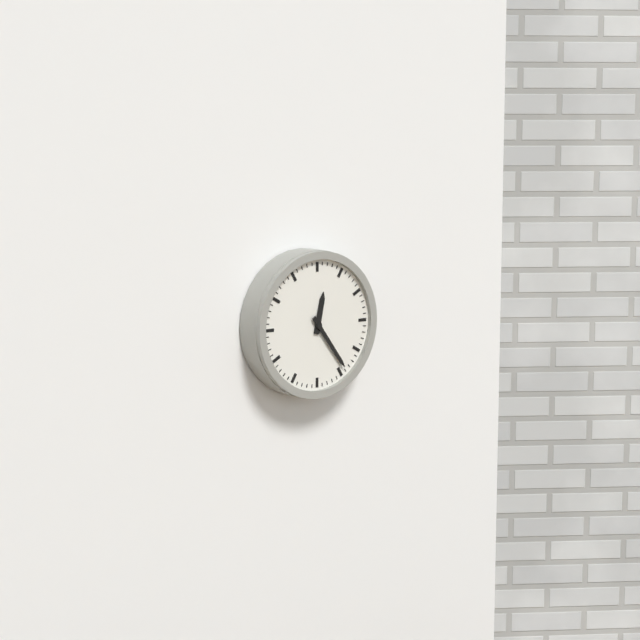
12:24
